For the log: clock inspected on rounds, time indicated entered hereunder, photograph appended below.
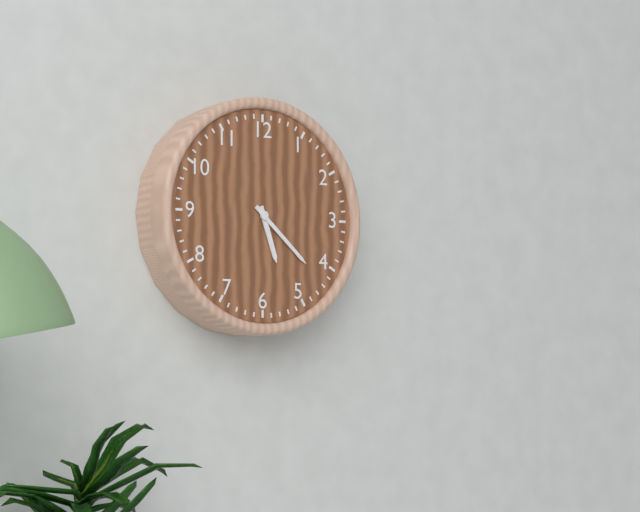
5:22
